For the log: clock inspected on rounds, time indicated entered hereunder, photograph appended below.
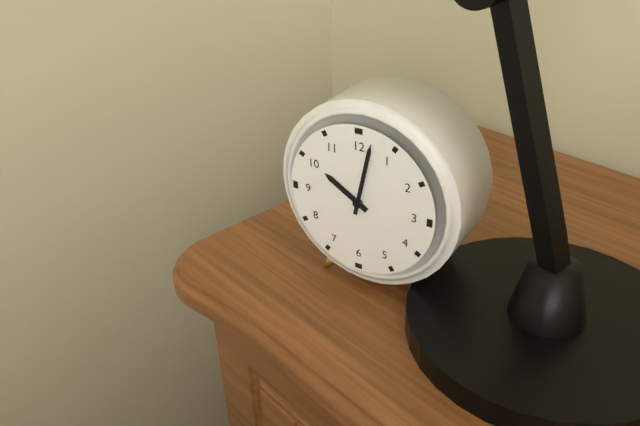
10:02
